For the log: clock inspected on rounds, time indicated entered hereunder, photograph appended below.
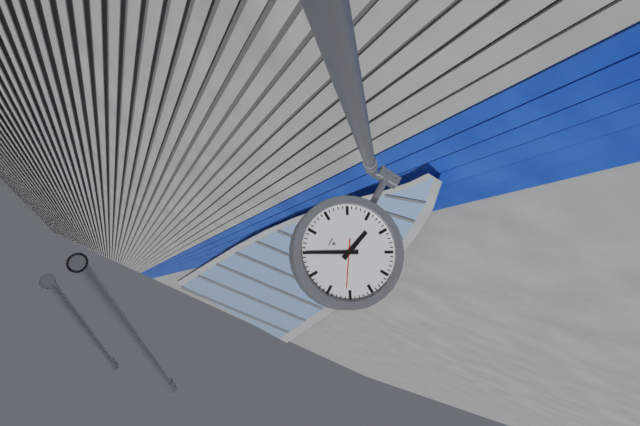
9:25
